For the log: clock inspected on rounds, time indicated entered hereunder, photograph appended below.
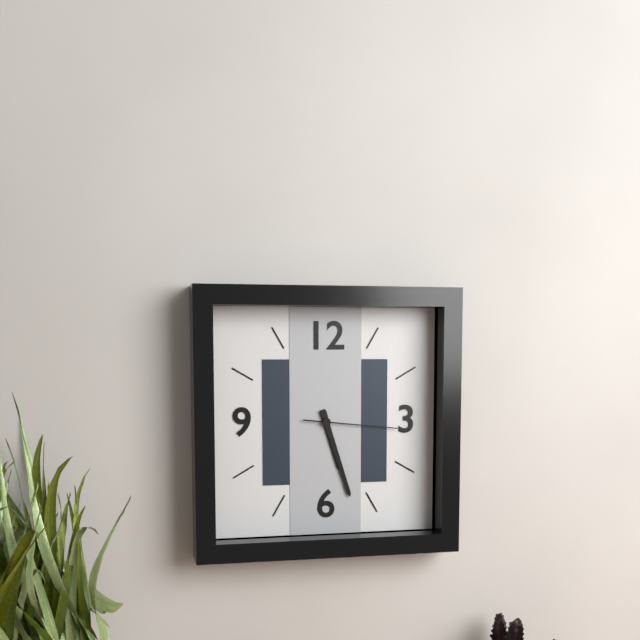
5:27:16
